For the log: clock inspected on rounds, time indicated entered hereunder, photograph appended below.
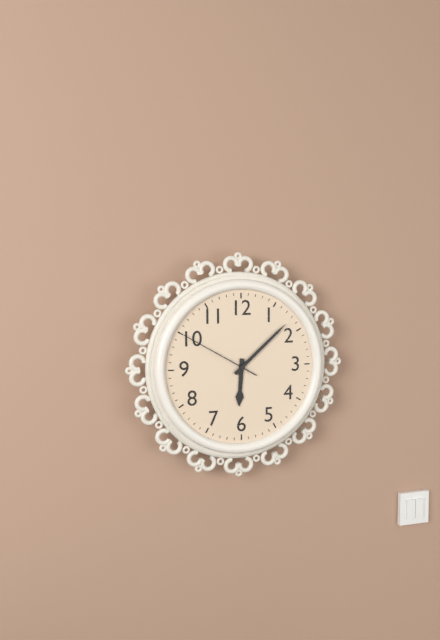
6:08:50
